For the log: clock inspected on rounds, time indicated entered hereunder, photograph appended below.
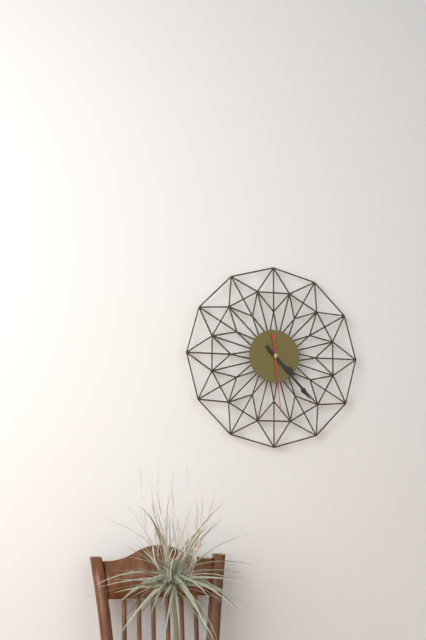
4:23:29
